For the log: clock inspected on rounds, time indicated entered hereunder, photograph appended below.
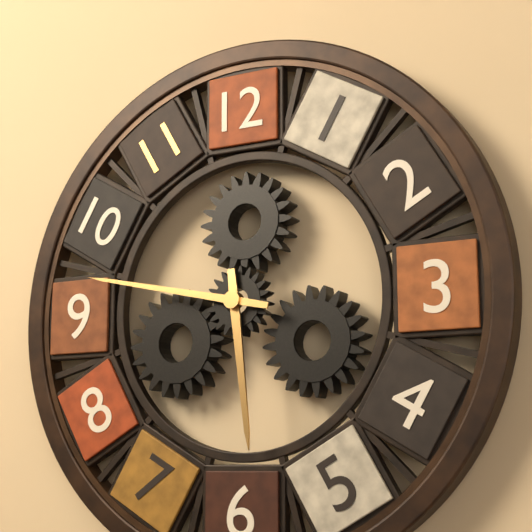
5:47
